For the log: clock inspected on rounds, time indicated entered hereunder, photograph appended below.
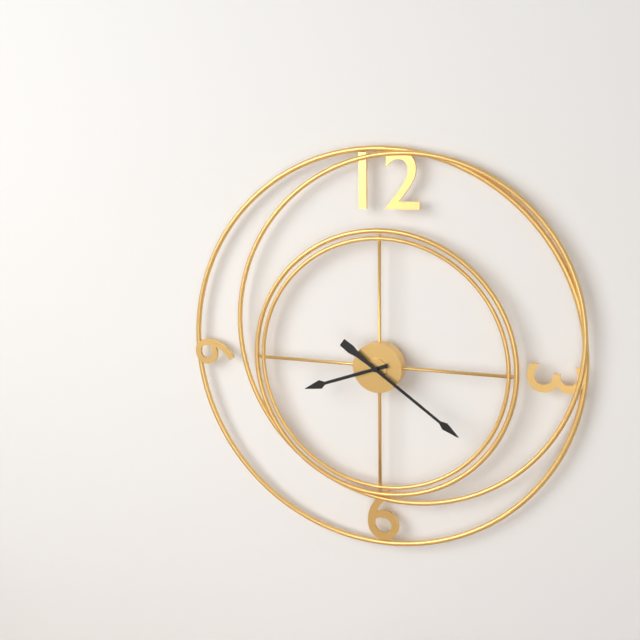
8:21
